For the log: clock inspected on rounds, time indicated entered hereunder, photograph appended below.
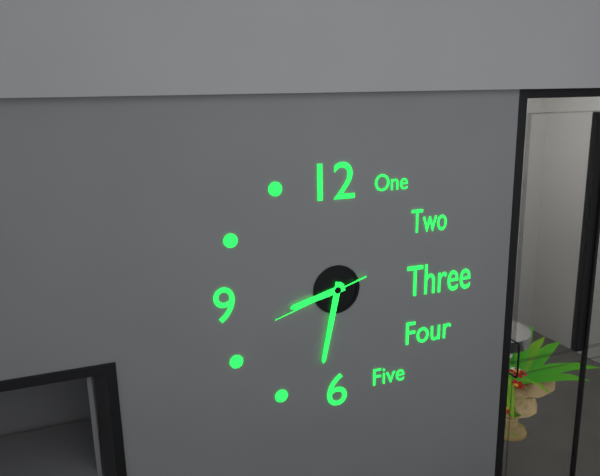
8:32:42
